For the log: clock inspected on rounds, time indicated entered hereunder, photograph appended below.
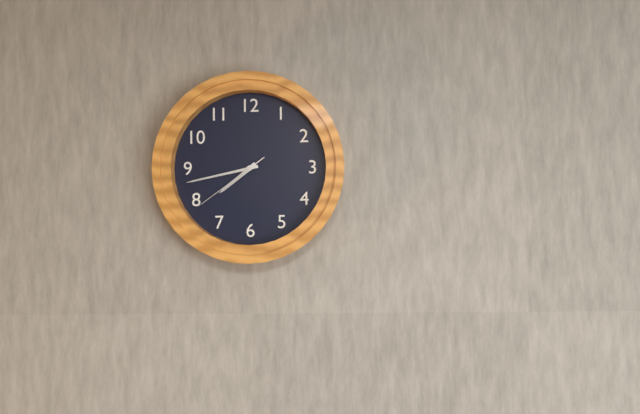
7:43:39
